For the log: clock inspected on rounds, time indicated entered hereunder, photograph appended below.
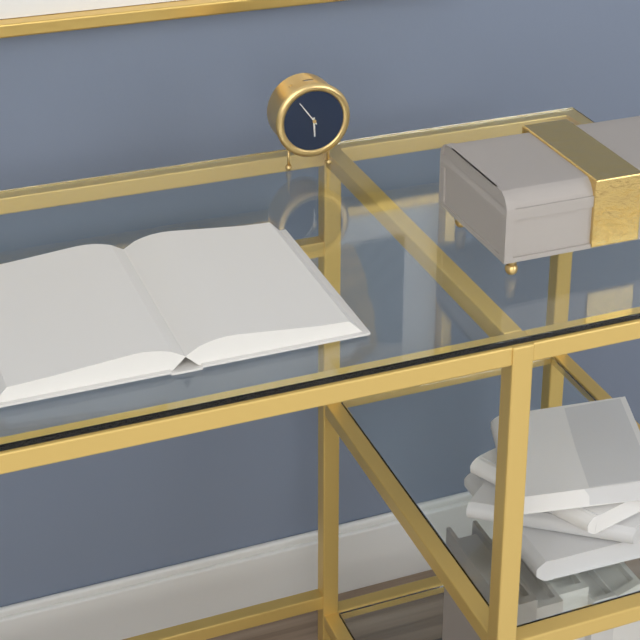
5:54
